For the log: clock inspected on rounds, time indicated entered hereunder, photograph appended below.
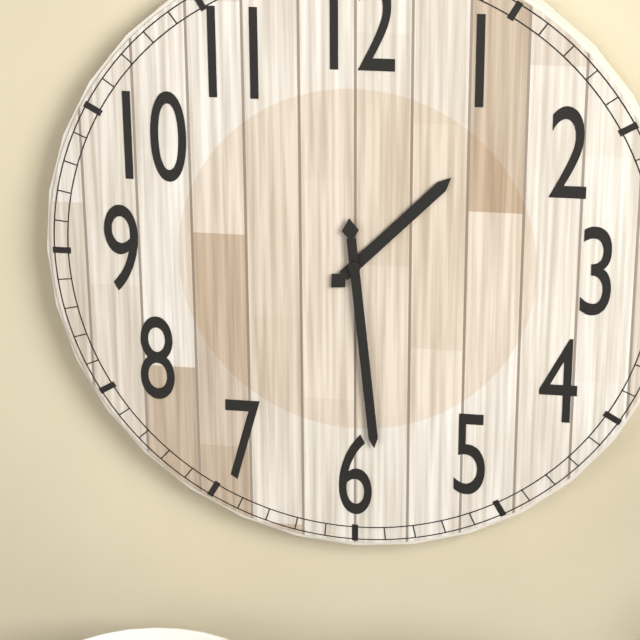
1:29
